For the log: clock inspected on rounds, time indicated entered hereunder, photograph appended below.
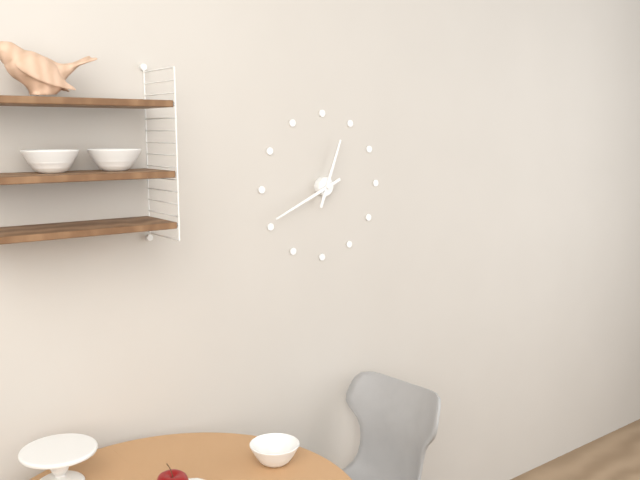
12:41
